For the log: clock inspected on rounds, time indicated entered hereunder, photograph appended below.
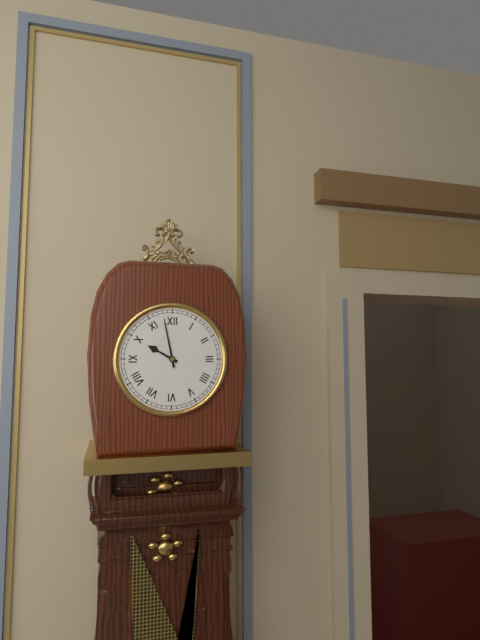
9:58
